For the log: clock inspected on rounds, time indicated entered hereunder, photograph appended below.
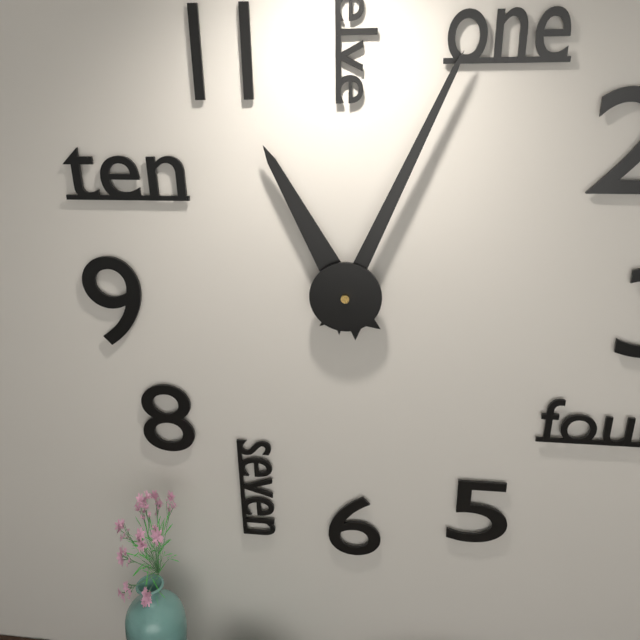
11:04
